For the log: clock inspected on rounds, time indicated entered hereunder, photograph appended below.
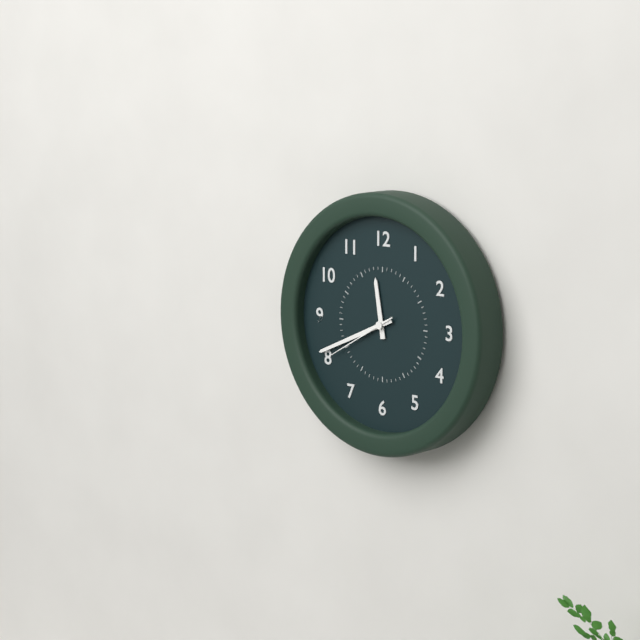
11:41:40
